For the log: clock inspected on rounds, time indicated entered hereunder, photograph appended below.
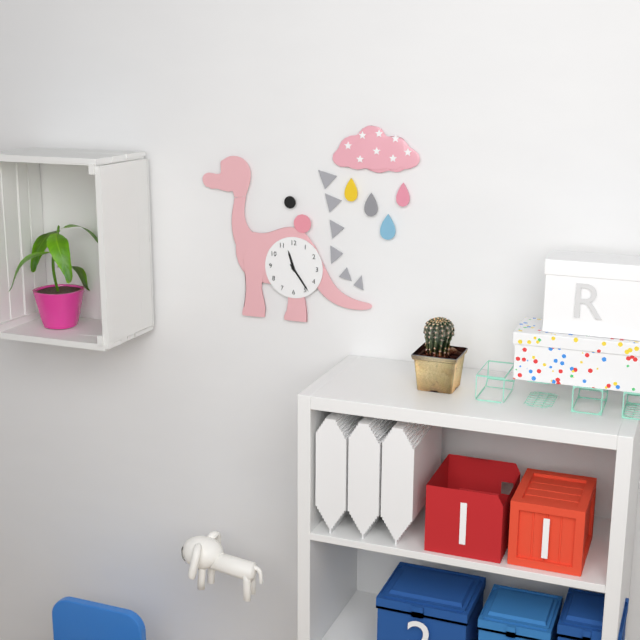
11:24
